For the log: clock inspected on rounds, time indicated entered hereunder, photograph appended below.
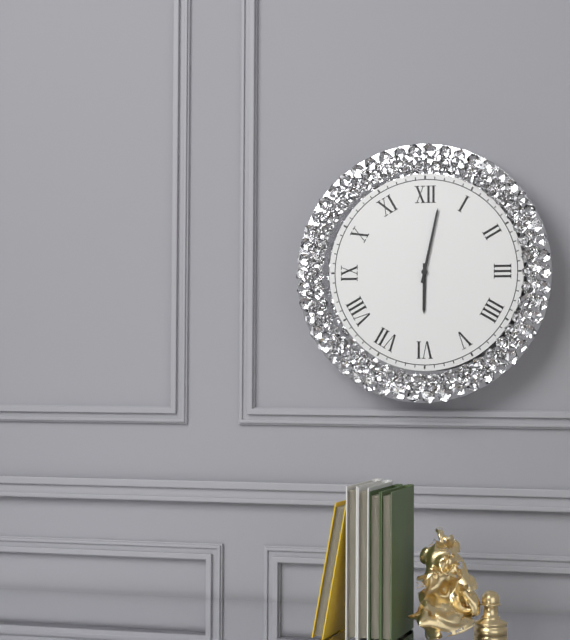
6:02
